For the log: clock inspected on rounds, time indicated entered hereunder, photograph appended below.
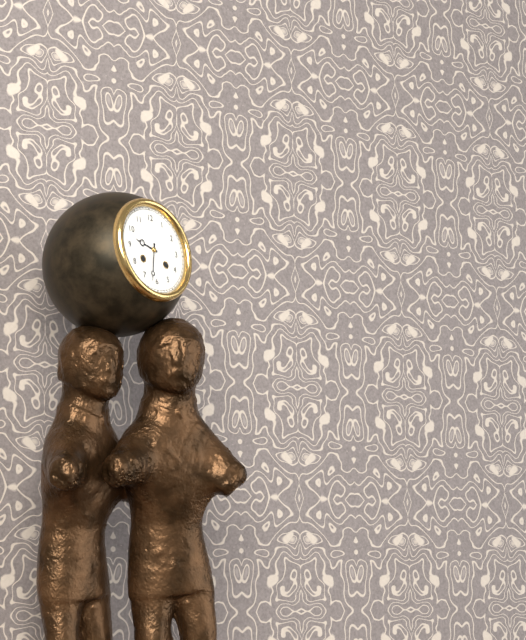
9:32
